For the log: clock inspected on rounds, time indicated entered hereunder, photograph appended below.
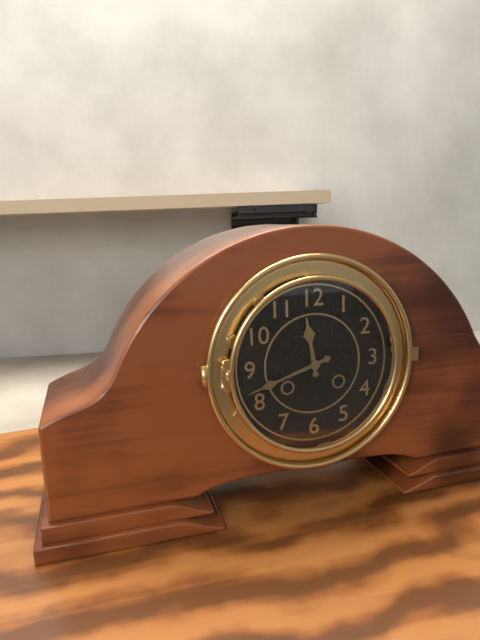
11:42
